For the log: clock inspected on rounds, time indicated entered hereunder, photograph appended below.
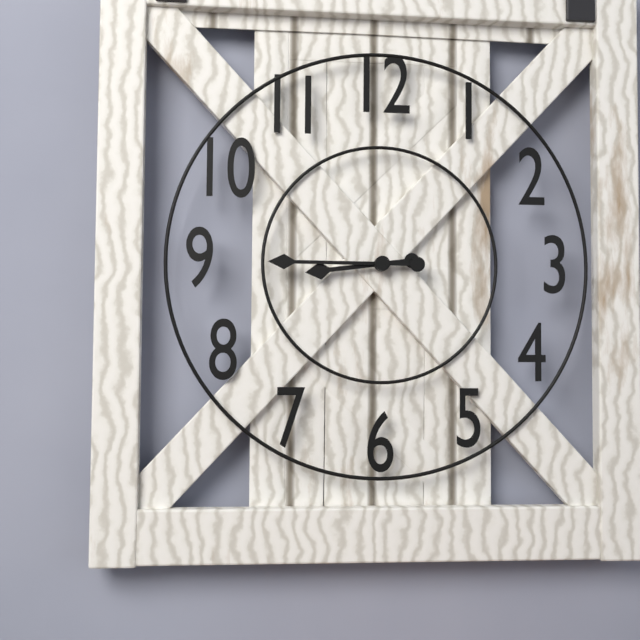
8:45
